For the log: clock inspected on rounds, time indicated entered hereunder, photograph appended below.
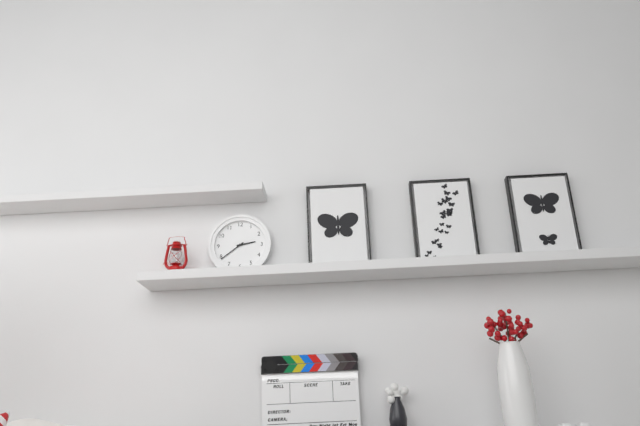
2:39
